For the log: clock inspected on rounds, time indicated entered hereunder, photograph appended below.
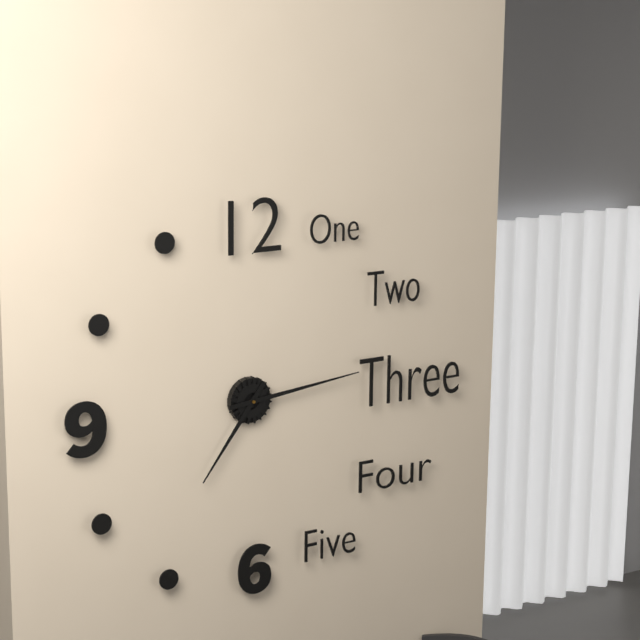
7:14
